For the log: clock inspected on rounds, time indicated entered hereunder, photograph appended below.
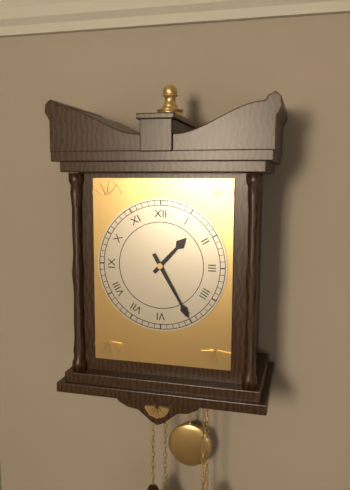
1:25
